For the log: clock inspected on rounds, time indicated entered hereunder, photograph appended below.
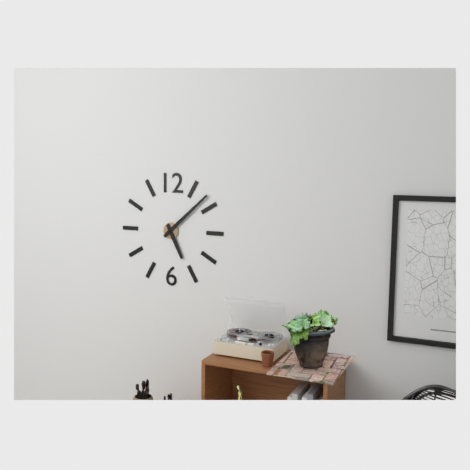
5:08
